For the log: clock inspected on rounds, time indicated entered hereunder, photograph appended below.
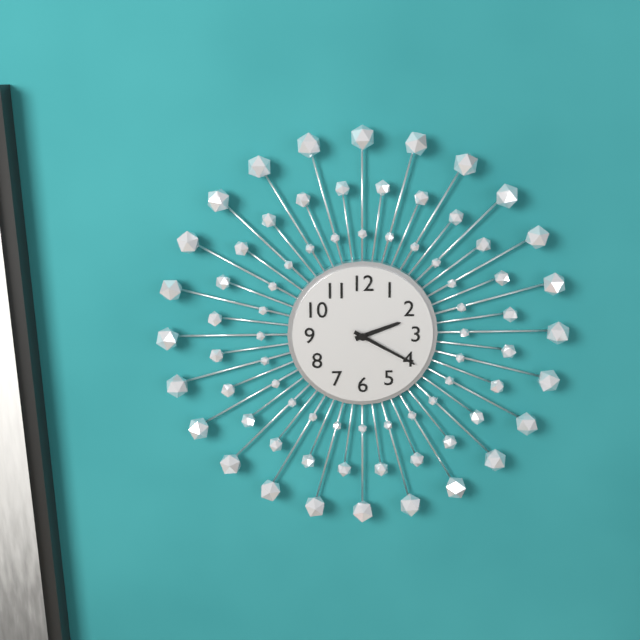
2:20
